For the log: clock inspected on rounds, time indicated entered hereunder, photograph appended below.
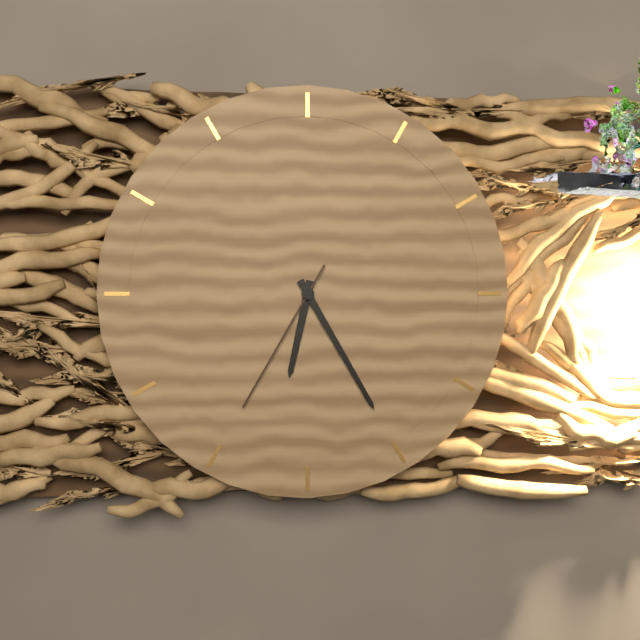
6:25:35
